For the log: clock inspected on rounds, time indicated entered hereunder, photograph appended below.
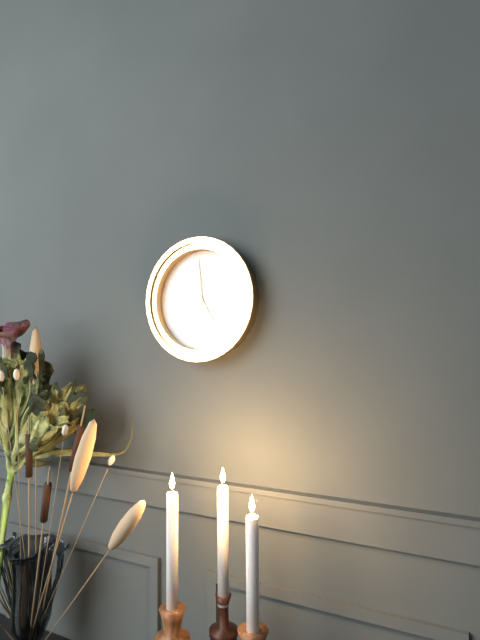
4:59
